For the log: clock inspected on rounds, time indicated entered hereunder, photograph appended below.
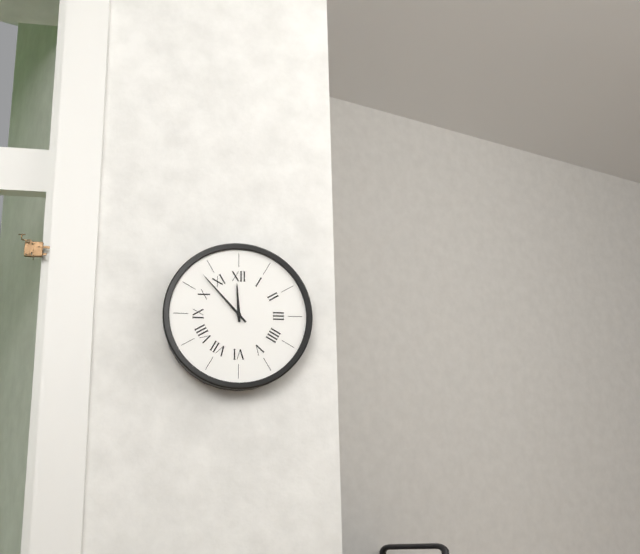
11:53
